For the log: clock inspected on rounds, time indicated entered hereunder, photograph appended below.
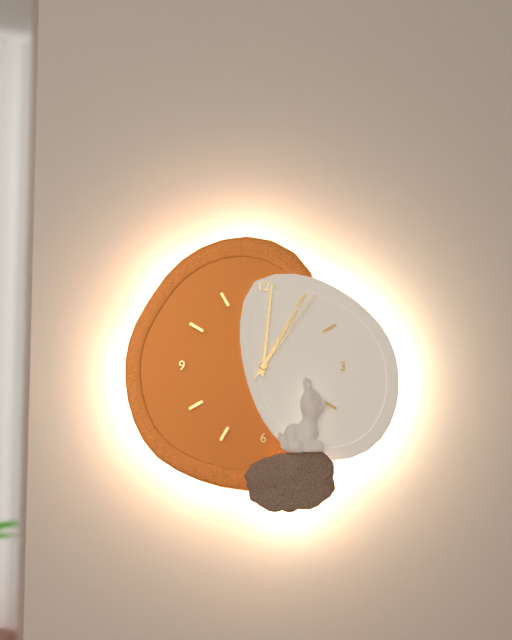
1:01:06
